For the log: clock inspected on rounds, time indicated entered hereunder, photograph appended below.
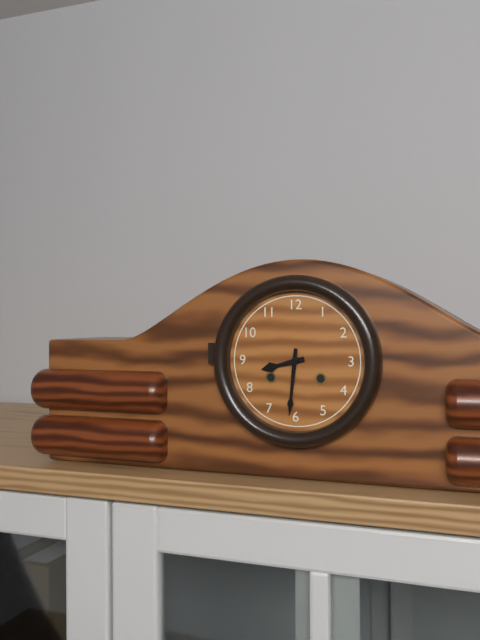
8:31
